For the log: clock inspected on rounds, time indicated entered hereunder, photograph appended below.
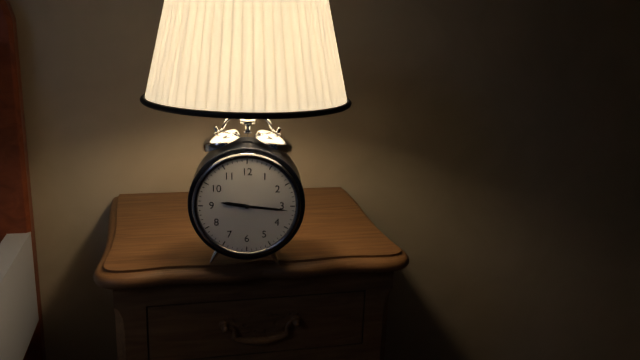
9:16
